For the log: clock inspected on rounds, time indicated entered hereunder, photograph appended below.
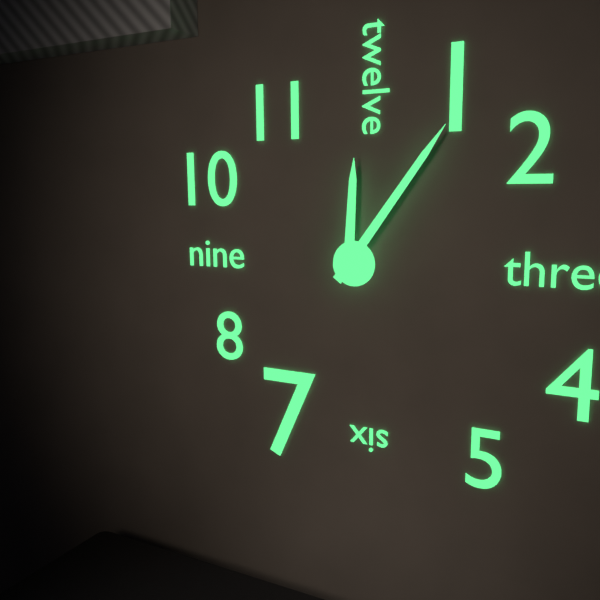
12:06
